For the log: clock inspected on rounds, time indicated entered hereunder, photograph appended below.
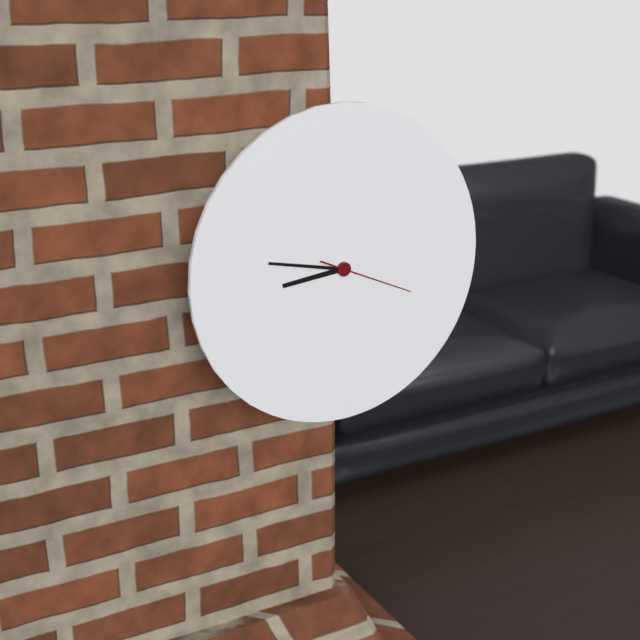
8:47:19
